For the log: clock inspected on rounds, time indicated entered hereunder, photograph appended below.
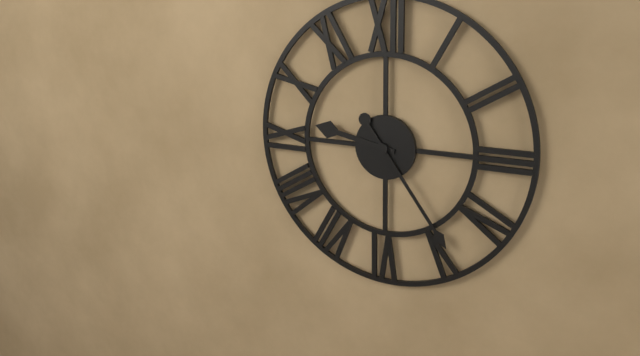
9:24
